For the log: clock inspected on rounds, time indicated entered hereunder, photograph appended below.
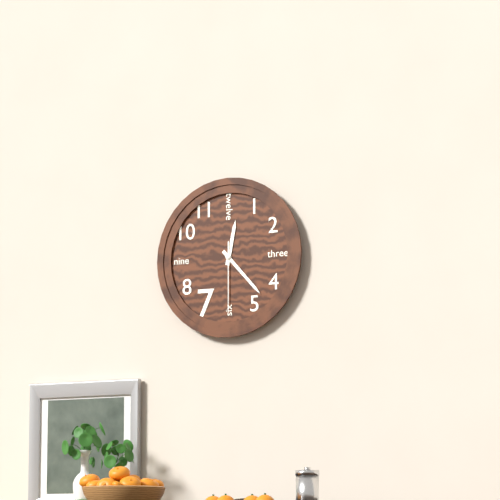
12:23:30
